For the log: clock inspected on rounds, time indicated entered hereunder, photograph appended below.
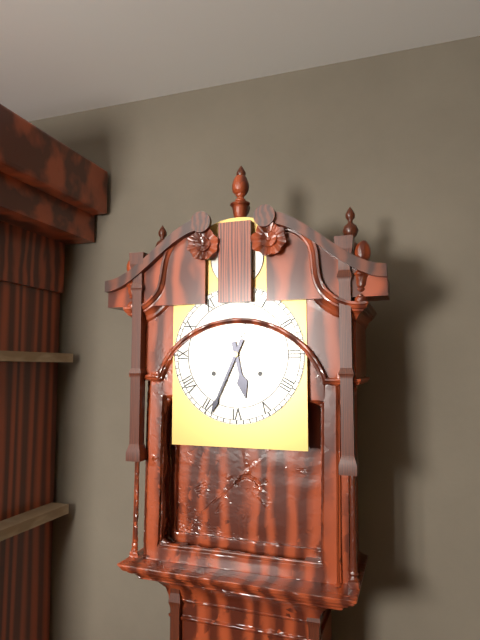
5:34
